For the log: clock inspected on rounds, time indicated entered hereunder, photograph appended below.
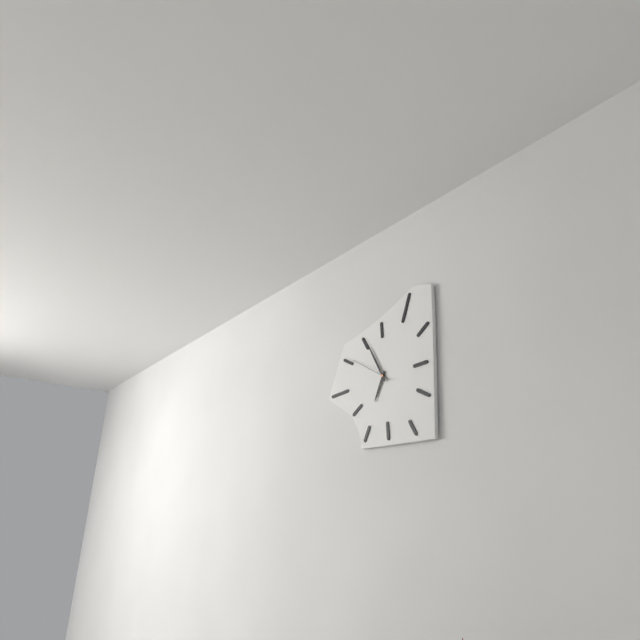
6:55
